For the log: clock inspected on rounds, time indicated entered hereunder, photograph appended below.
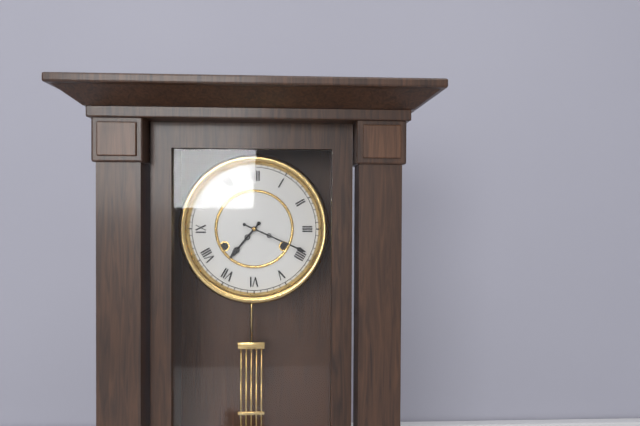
7:19
